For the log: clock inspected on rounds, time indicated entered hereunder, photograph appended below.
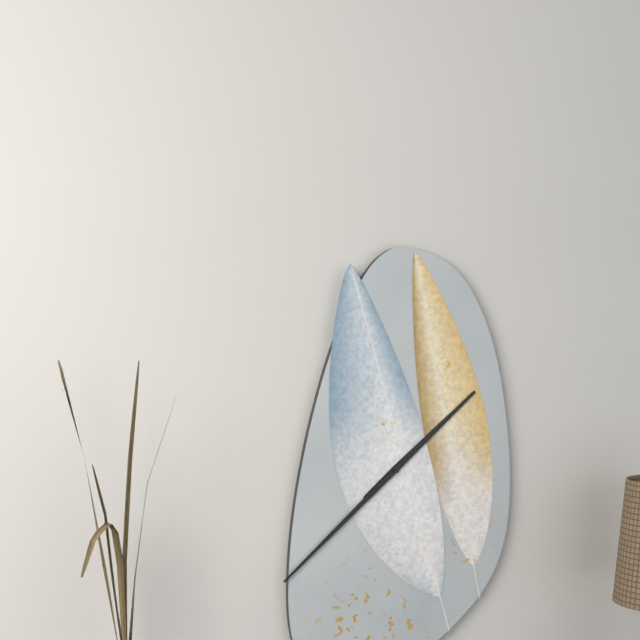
1:38
